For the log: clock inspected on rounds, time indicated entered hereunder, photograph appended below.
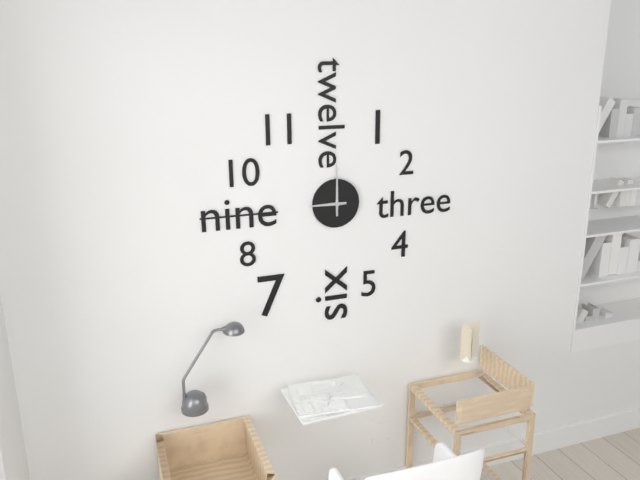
9:00
